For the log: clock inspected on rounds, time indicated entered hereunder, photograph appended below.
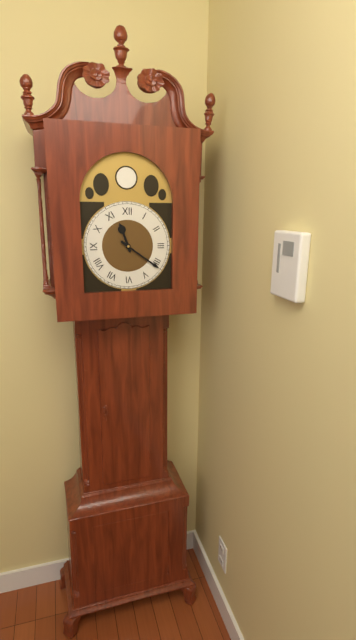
11:21
